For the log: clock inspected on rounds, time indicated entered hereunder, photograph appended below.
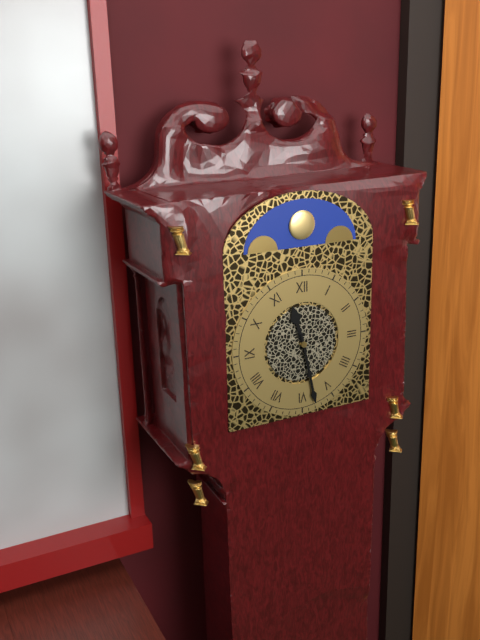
11:28
